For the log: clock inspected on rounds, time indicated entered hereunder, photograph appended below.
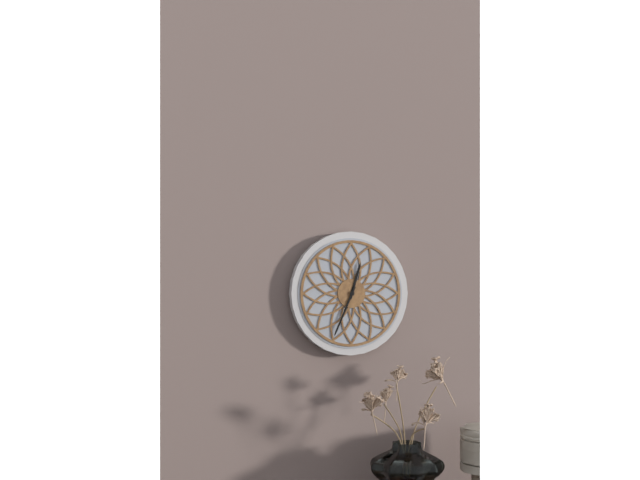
12:34
